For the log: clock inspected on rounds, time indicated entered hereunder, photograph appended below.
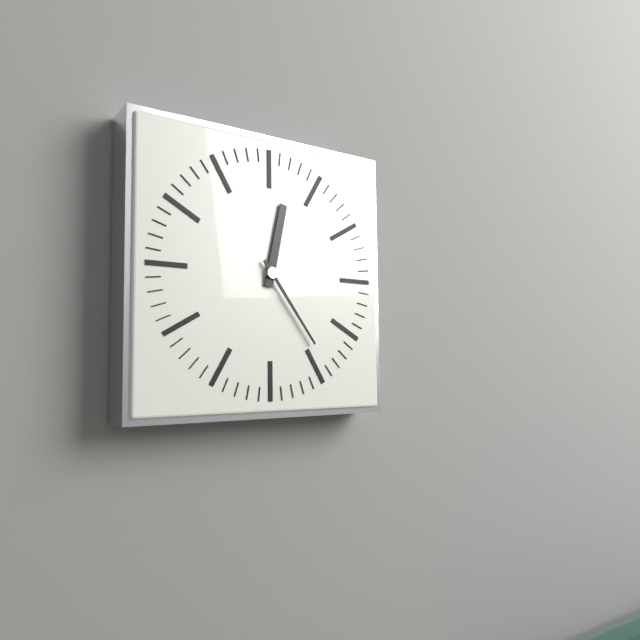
12:24
